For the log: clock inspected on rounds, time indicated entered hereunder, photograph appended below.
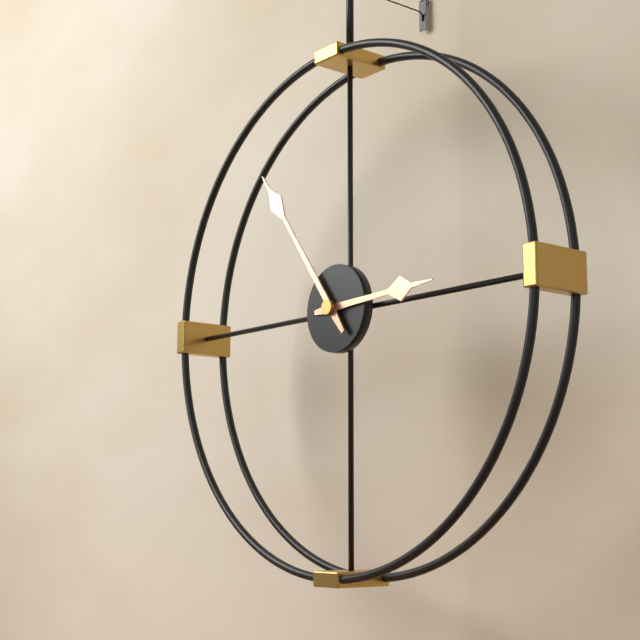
2:54
